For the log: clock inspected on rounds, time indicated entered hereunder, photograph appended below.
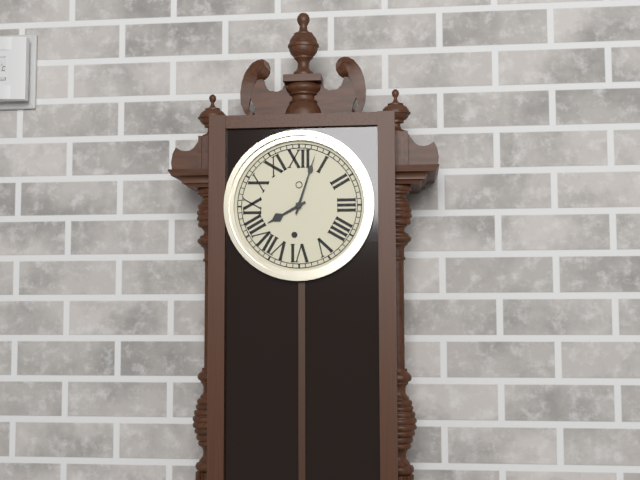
8:03
